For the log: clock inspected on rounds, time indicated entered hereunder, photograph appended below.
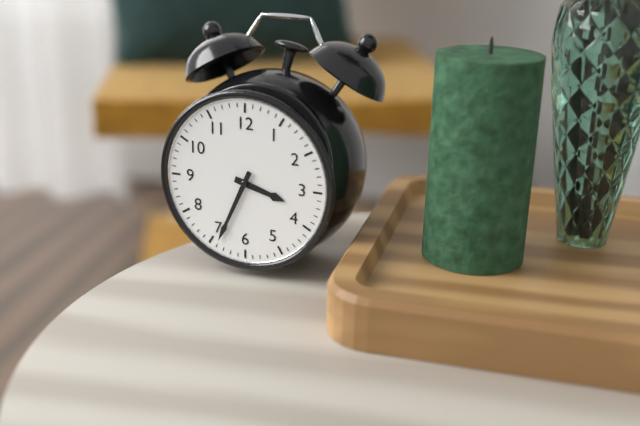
3:34
